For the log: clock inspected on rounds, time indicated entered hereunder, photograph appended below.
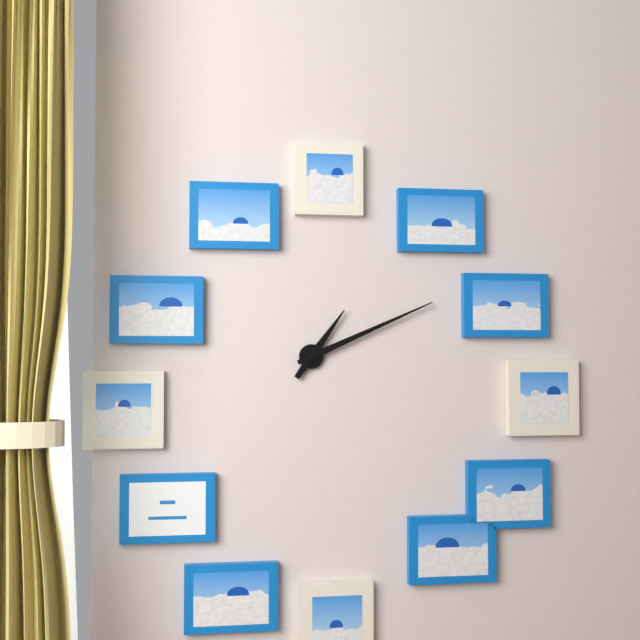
1:11
